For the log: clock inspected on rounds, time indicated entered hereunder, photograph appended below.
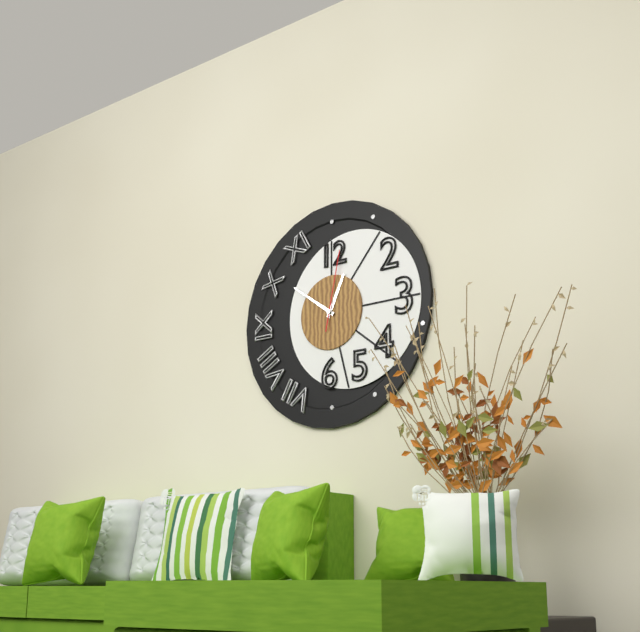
12:51:02
